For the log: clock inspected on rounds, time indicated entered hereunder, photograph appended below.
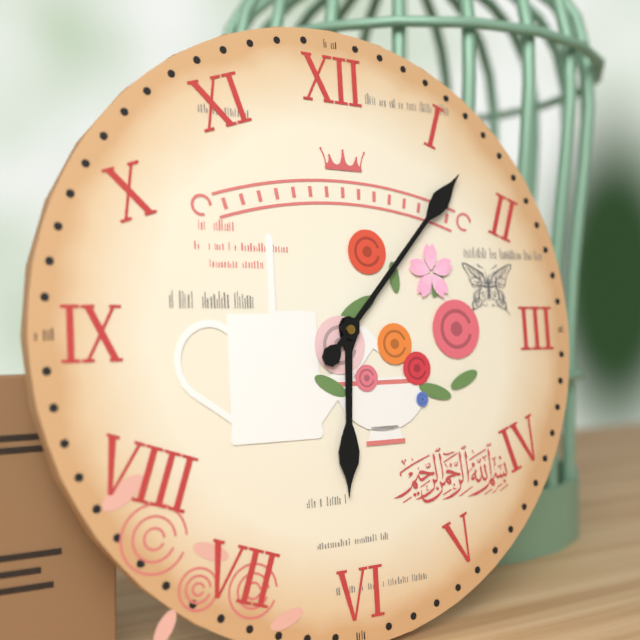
6:07
